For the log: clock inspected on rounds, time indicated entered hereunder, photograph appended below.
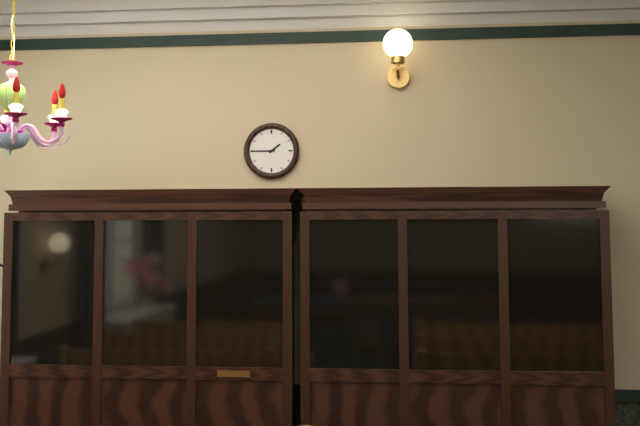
1:45
